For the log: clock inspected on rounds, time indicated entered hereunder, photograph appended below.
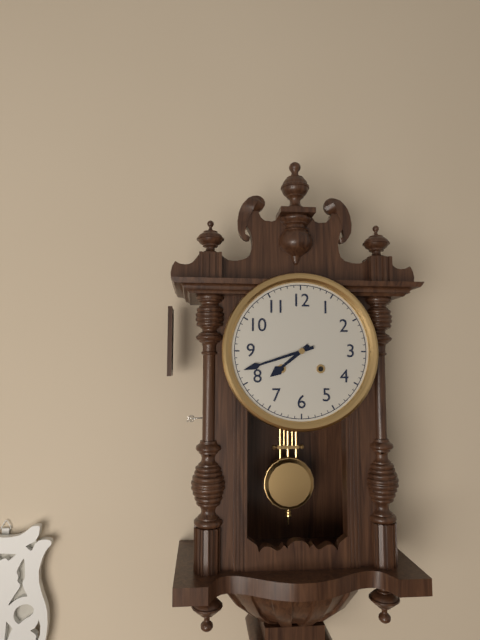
7:42
